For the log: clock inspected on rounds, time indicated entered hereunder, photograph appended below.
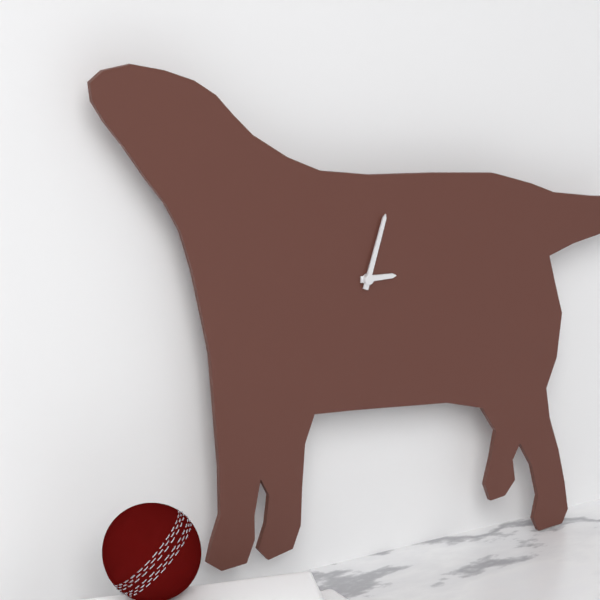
3:03
